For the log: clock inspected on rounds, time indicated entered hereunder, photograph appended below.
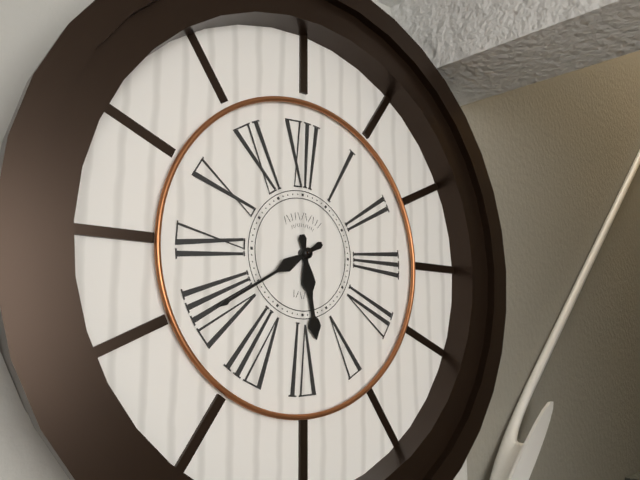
5:40
